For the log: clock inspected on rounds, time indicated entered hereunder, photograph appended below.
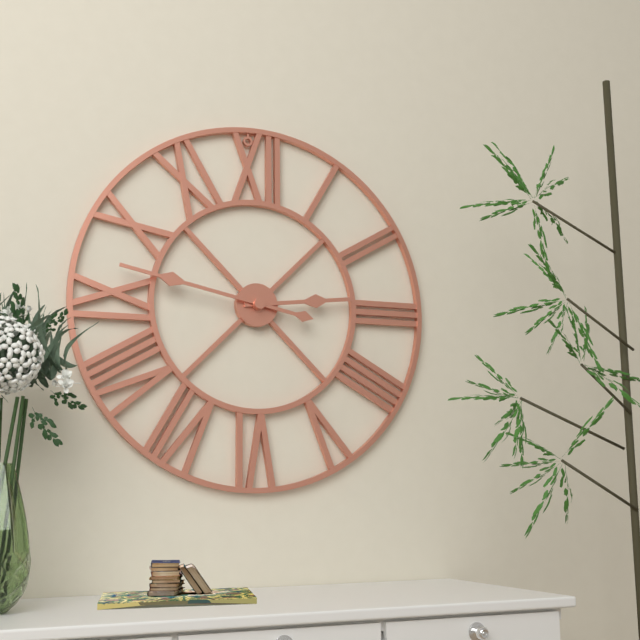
2:47
